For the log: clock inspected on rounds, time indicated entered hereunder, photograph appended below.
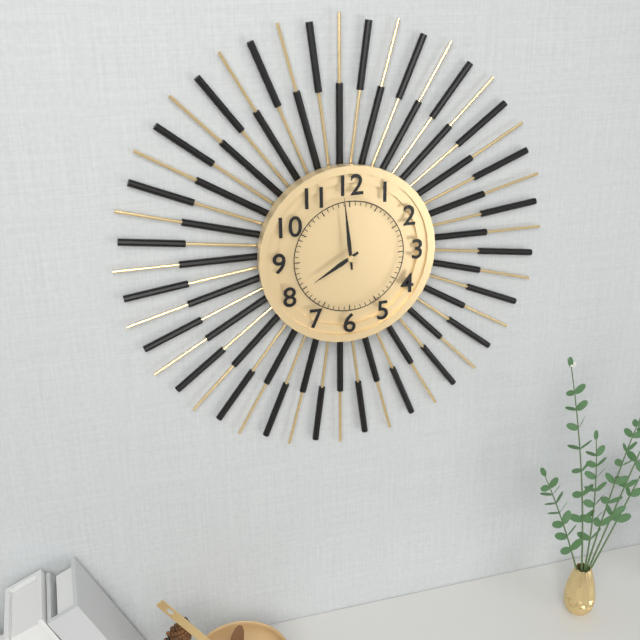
7:59
